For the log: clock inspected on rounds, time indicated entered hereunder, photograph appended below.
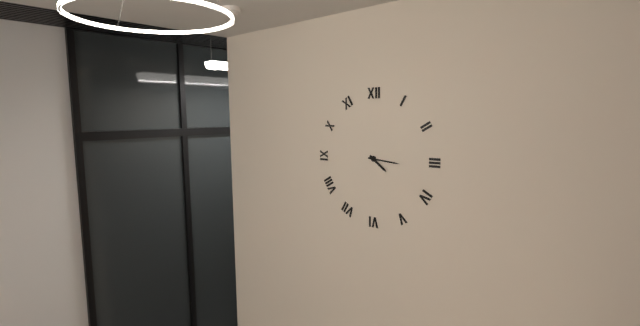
4:16
